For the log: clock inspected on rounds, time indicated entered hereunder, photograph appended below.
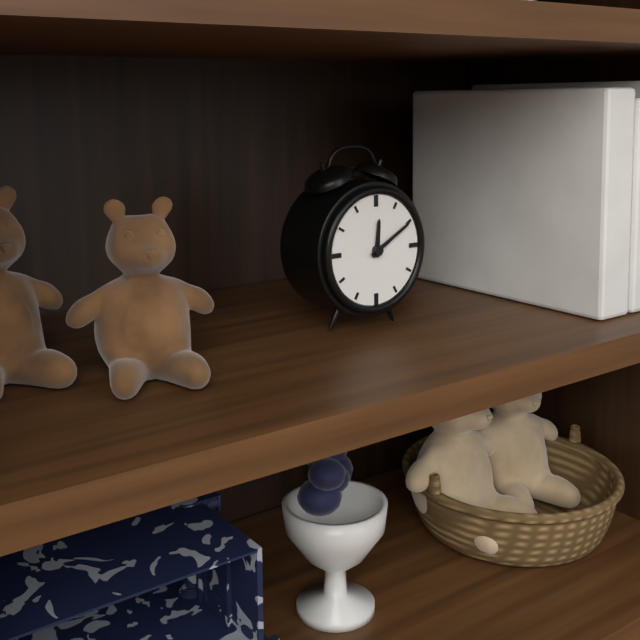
12:10
